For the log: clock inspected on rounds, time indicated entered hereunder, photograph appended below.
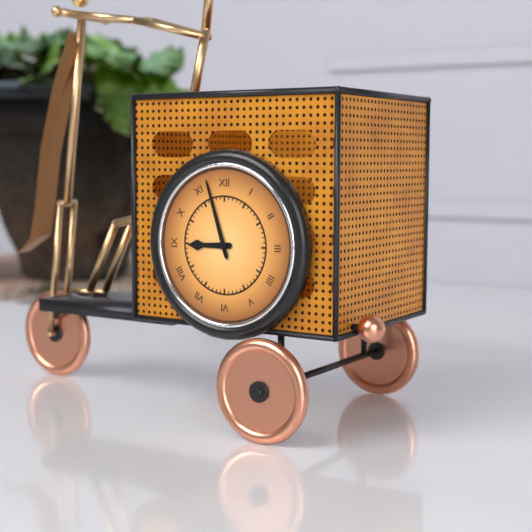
8:57
